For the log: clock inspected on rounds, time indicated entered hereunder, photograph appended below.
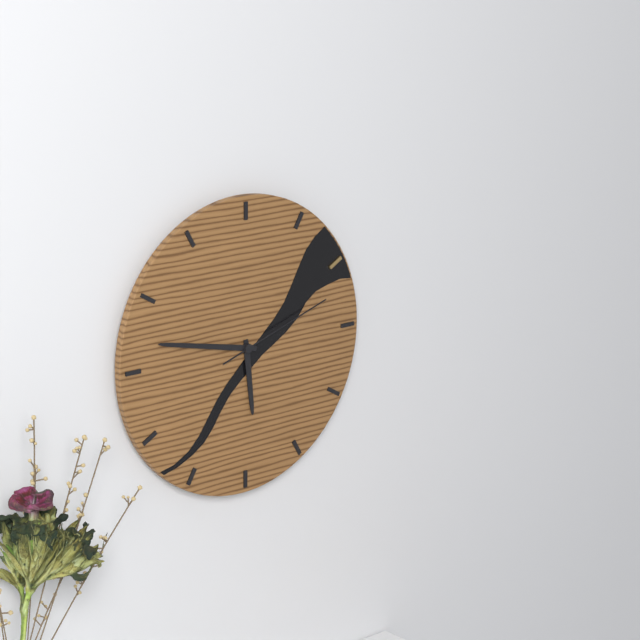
5:47:12
